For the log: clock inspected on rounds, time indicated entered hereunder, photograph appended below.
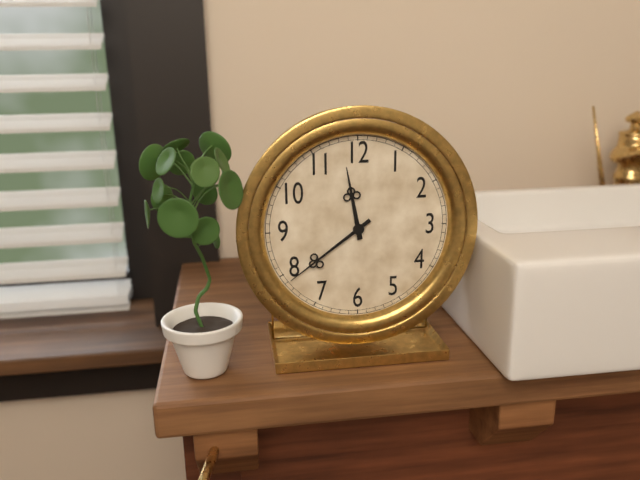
11:39
